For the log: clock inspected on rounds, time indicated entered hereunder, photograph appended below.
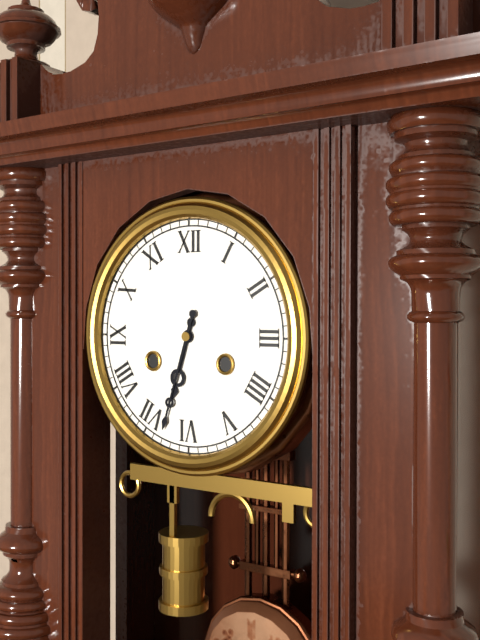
6:33
